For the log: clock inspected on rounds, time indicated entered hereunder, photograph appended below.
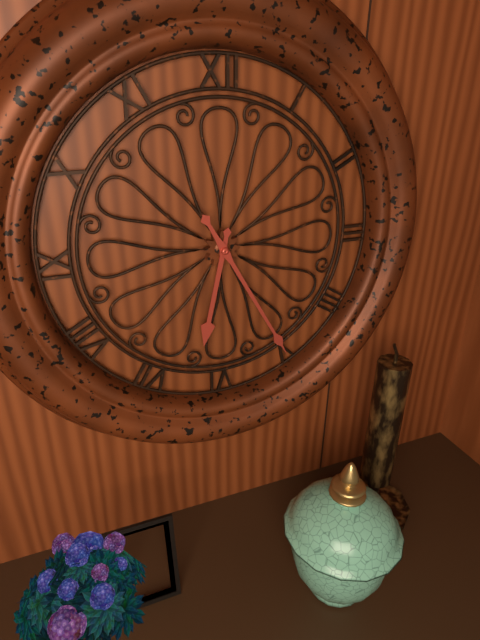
6:25
